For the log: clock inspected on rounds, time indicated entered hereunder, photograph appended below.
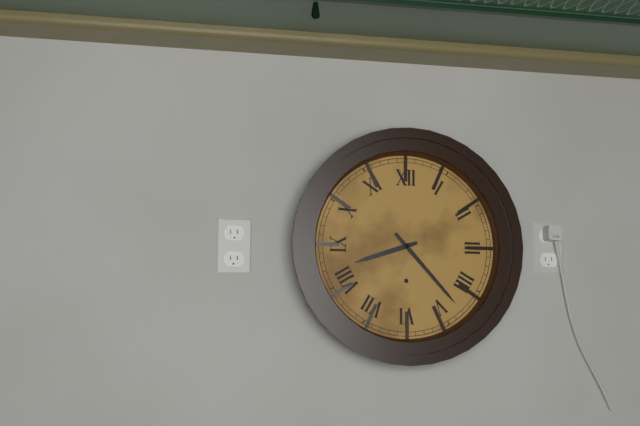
8:23
